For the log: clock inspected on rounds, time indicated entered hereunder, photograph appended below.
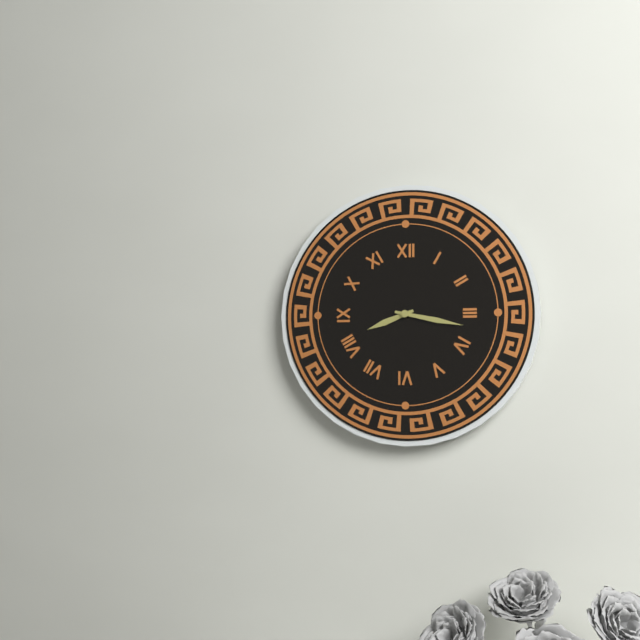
8:17
